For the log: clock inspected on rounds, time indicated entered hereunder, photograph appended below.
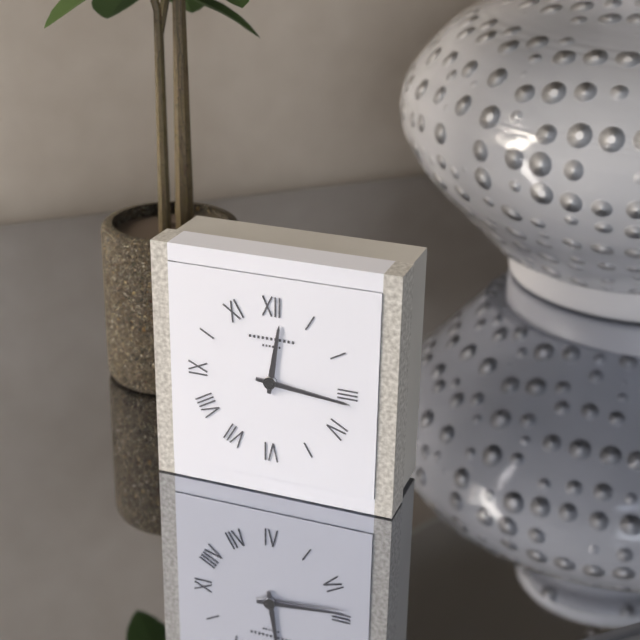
12:16
